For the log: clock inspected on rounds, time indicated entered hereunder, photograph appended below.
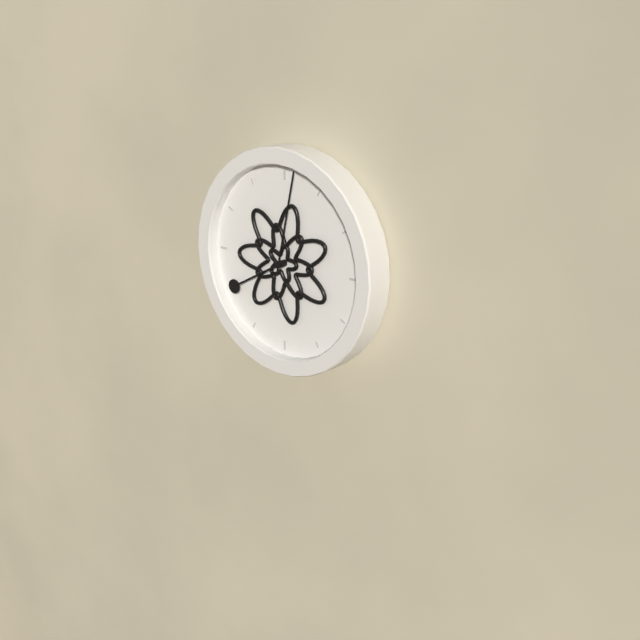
8:02
